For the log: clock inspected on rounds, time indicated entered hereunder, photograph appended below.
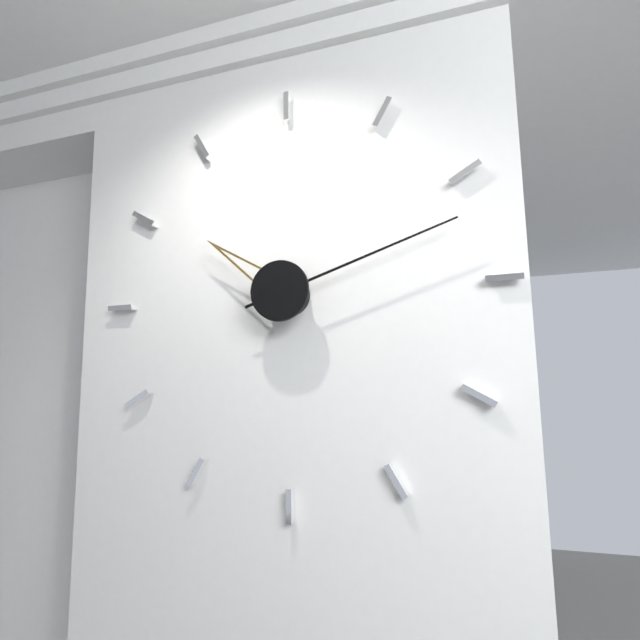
10:12
